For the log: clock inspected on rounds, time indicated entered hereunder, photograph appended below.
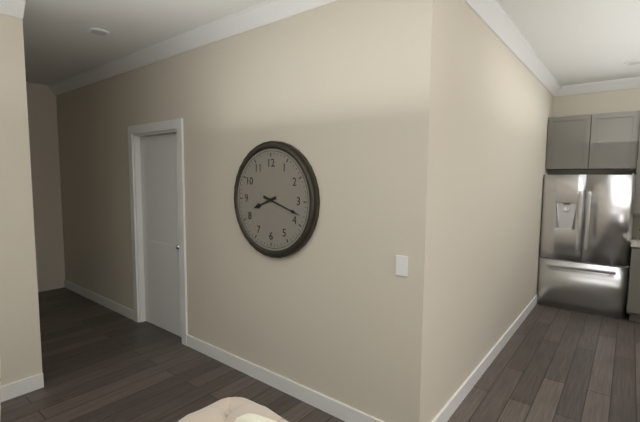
8:18
